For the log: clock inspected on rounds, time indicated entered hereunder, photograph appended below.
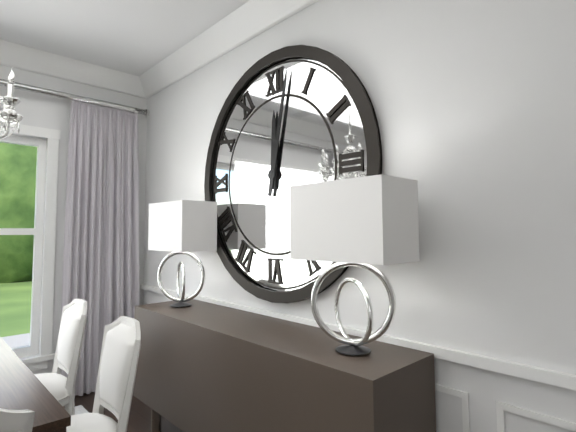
12:02
